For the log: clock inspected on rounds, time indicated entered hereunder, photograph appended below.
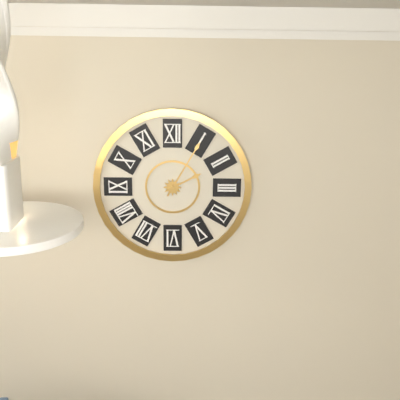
2:05
